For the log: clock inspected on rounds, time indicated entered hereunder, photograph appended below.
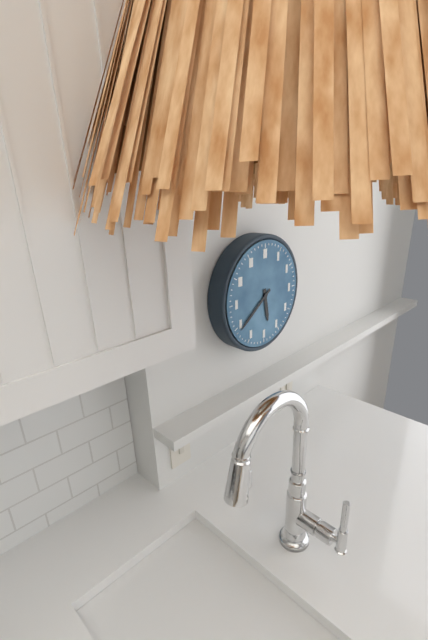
5:39
